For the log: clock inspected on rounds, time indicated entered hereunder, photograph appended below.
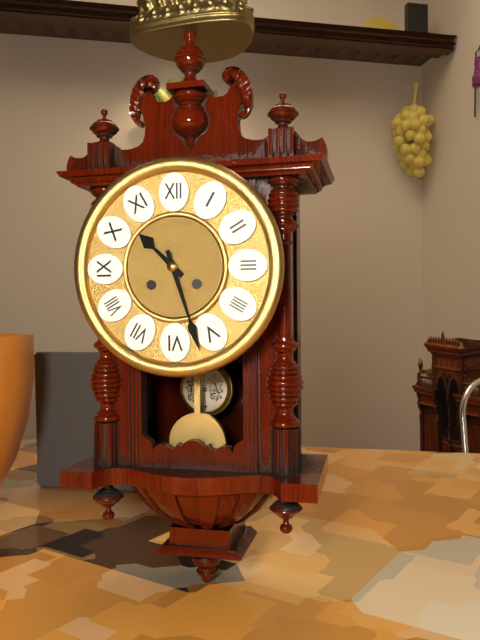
10:27
